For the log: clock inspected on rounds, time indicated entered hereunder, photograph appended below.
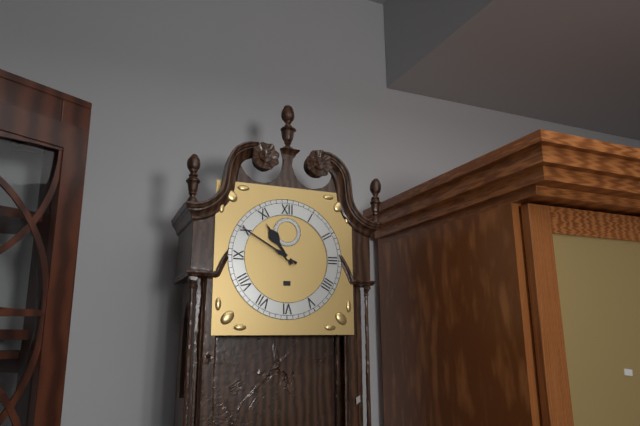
10:50
